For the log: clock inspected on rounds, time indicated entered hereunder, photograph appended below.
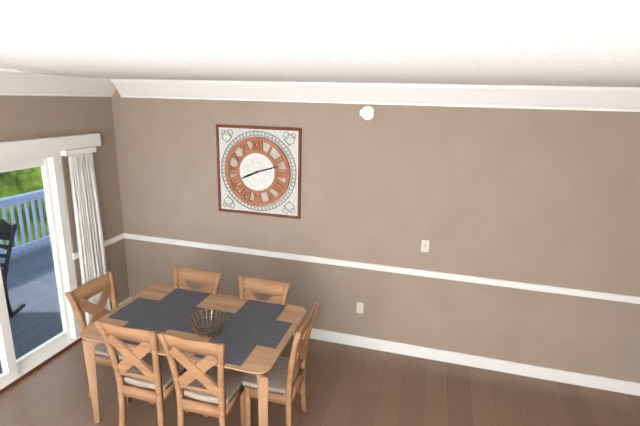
8:12
